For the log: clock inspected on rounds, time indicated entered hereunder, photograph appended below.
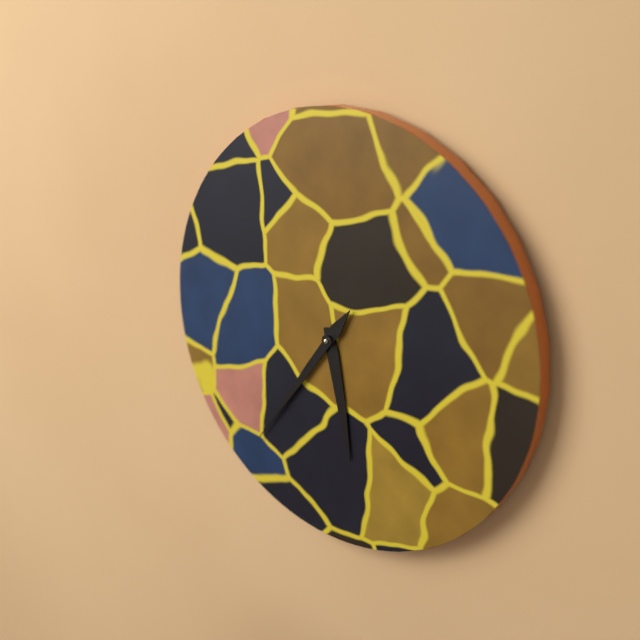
5:36
